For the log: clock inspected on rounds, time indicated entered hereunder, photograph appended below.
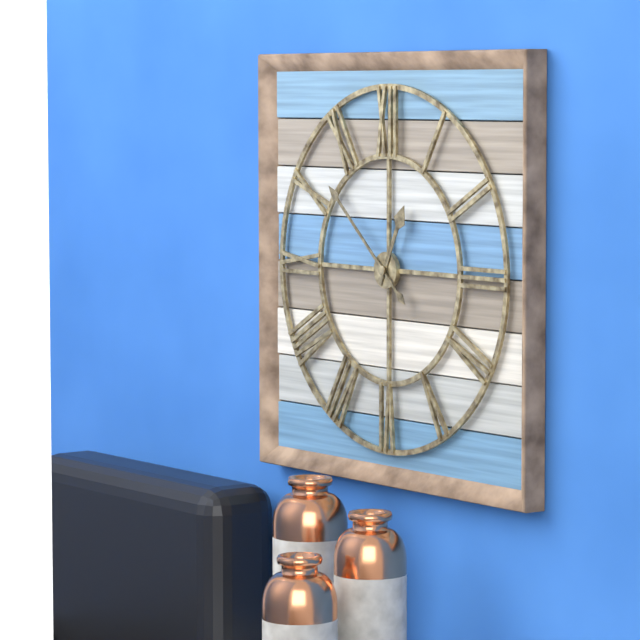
12:52
